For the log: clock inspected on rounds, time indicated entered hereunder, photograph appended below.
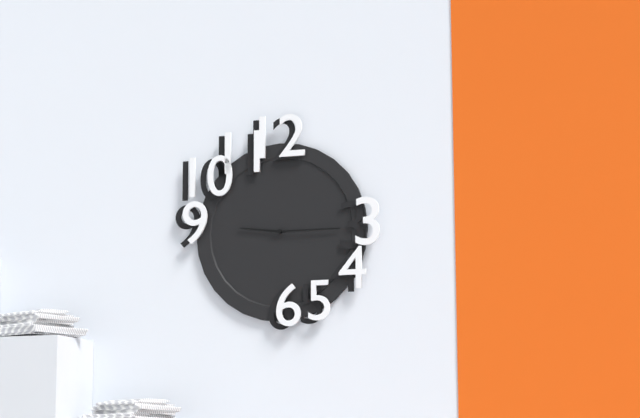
9:15
